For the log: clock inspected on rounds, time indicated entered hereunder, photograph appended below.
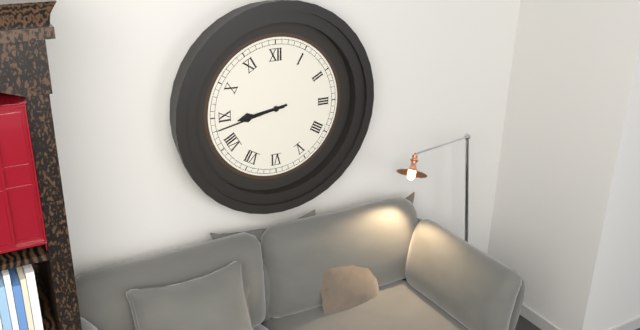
8:43
